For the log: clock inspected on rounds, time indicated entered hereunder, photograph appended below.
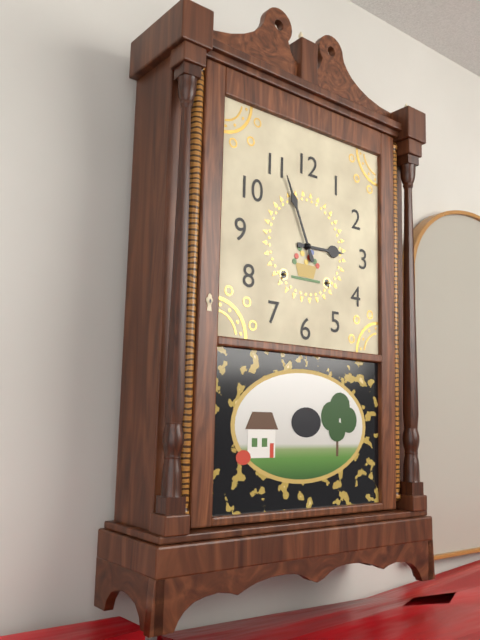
2:56
